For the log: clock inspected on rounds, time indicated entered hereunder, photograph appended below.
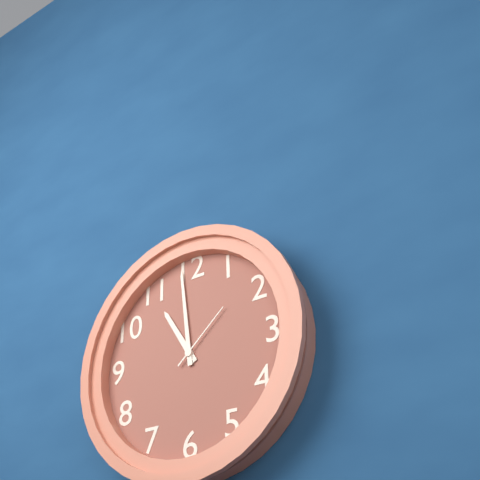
10:59:08
